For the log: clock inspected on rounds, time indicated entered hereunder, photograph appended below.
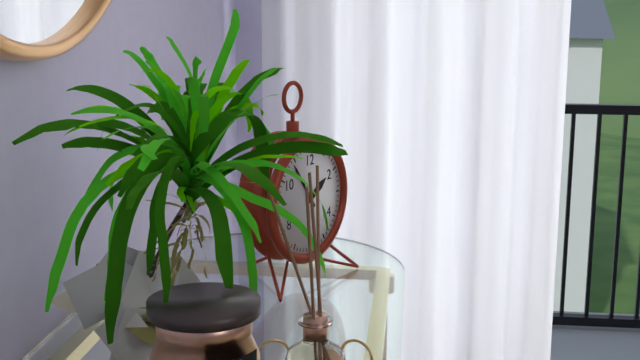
1:54
